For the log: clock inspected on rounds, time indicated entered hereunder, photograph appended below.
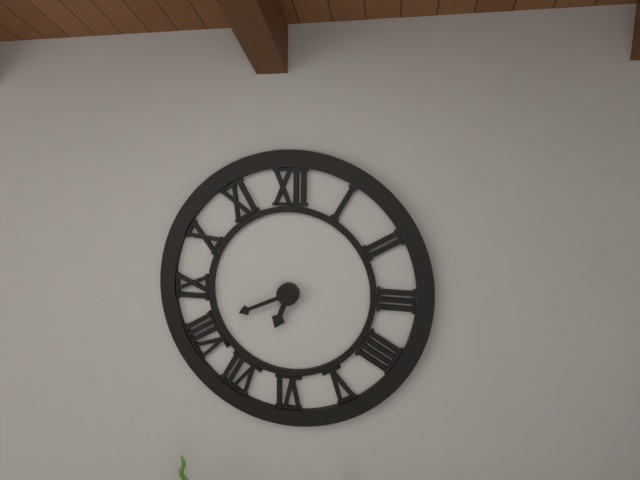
6:41
